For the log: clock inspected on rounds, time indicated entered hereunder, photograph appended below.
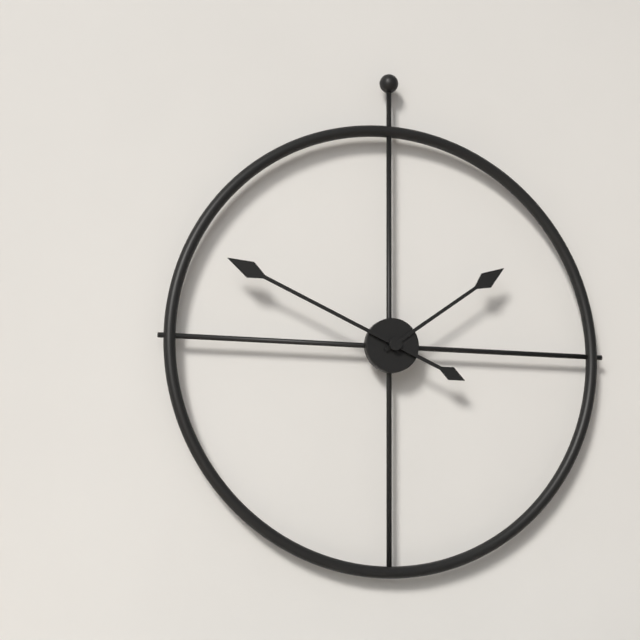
1:49
